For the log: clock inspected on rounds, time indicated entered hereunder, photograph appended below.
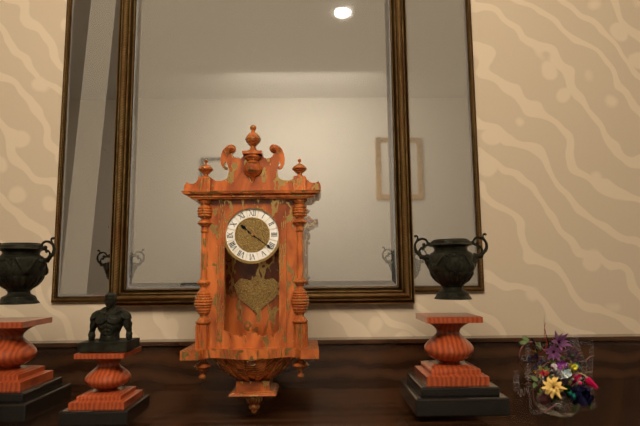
10:21
